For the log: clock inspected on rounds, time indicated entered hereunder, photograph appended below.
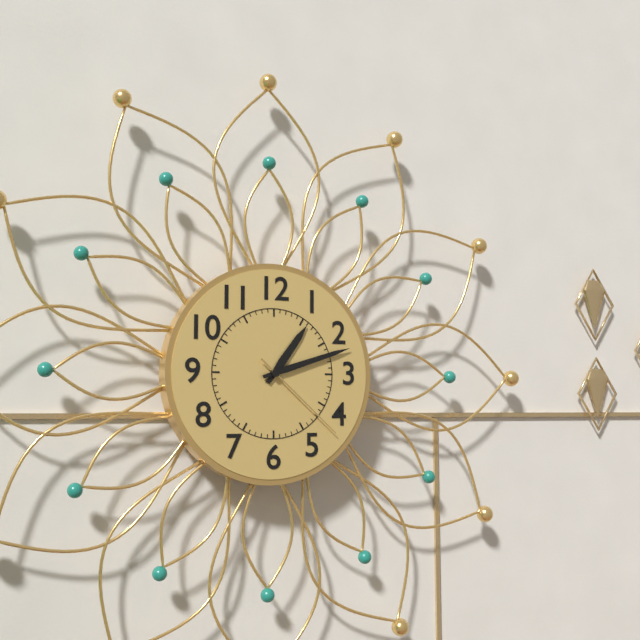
1:12:22
